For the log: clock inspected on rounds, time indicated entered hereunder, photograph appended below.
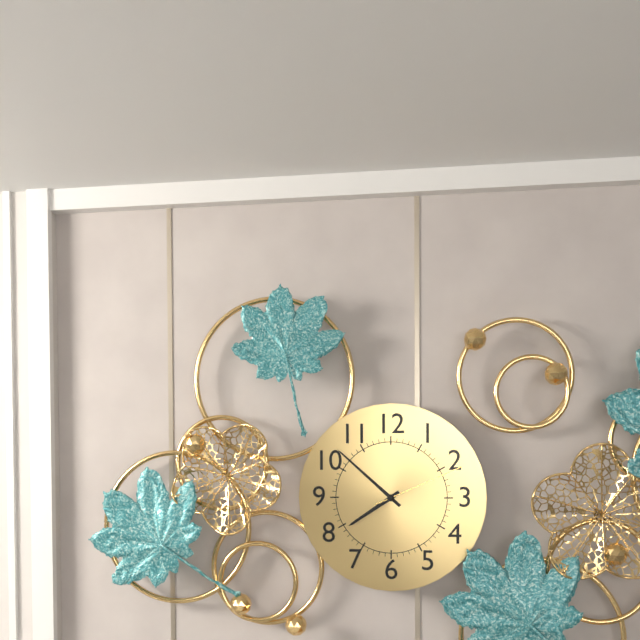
7:52:11
